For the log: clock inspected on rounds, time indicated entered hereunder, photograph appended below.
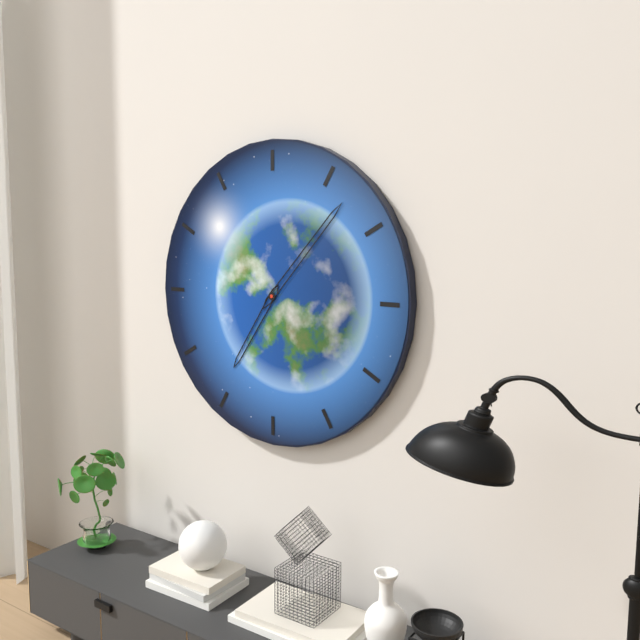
7:07
